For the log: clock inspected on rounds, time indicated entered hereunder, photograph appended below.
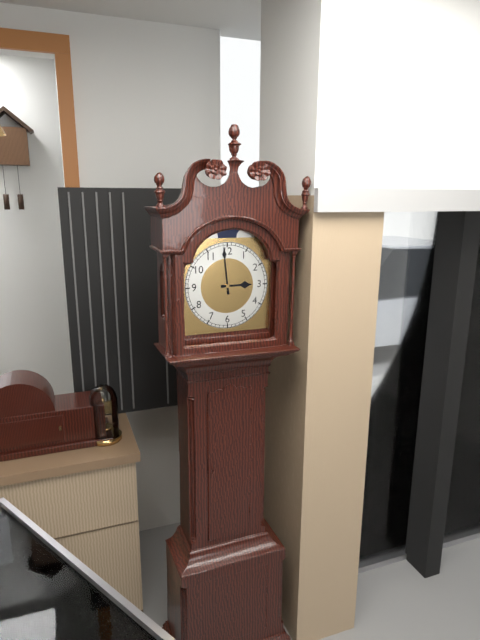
2:59
